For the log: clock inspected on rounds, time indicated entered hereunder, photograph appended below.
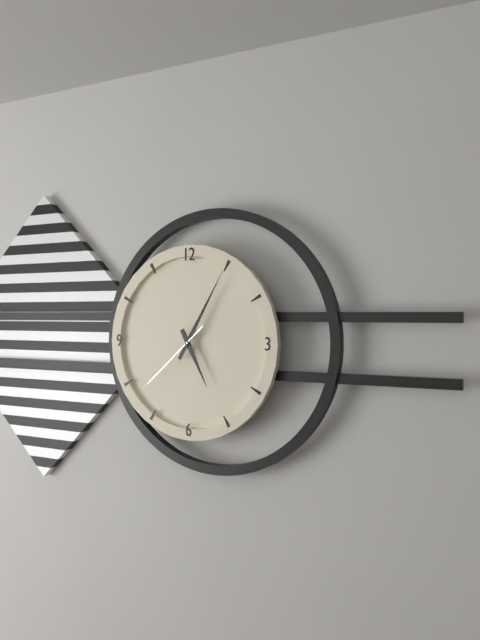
5:05:38
